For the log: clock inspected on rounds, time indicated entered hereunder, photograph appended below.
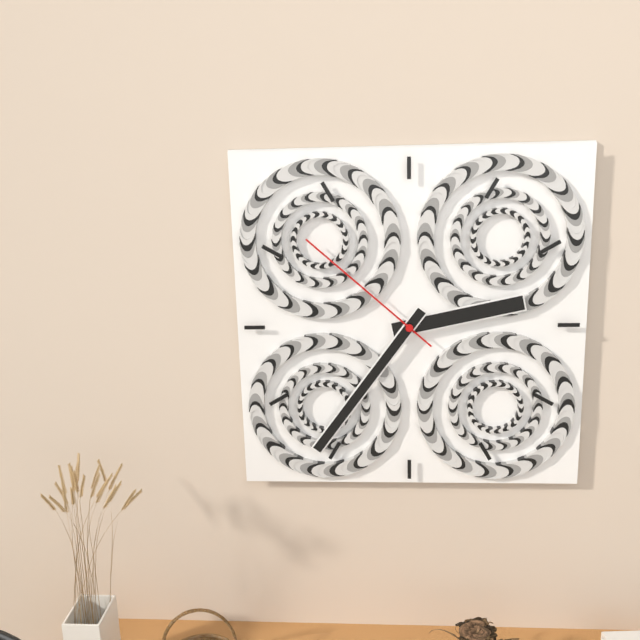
2:36:52
